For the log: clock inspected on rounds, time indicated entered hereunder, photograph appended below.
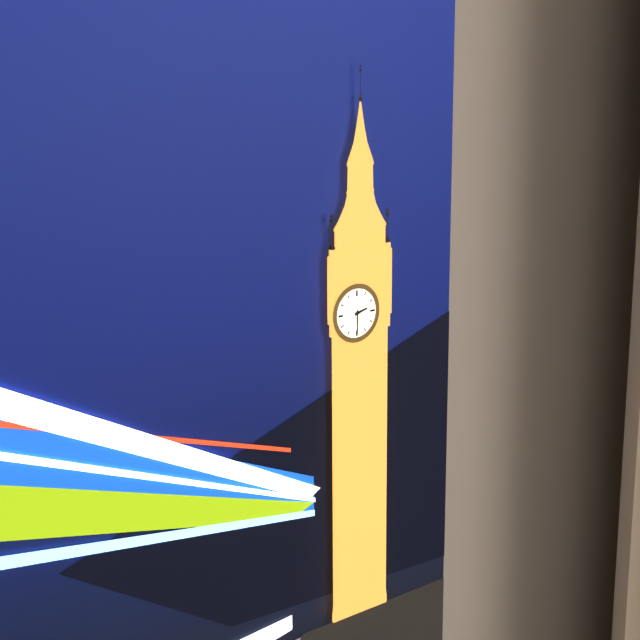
2:30
